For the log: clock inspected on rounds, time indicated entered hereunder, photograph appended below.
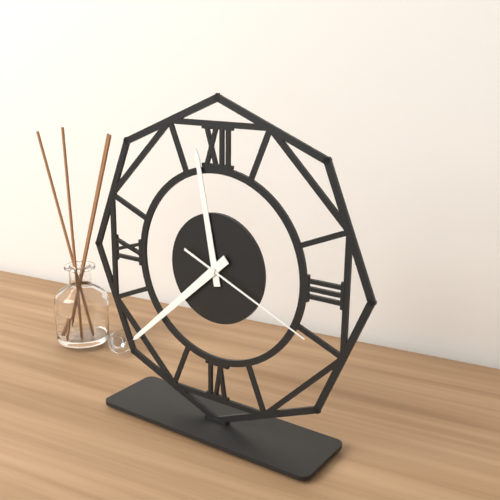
11:38:19
